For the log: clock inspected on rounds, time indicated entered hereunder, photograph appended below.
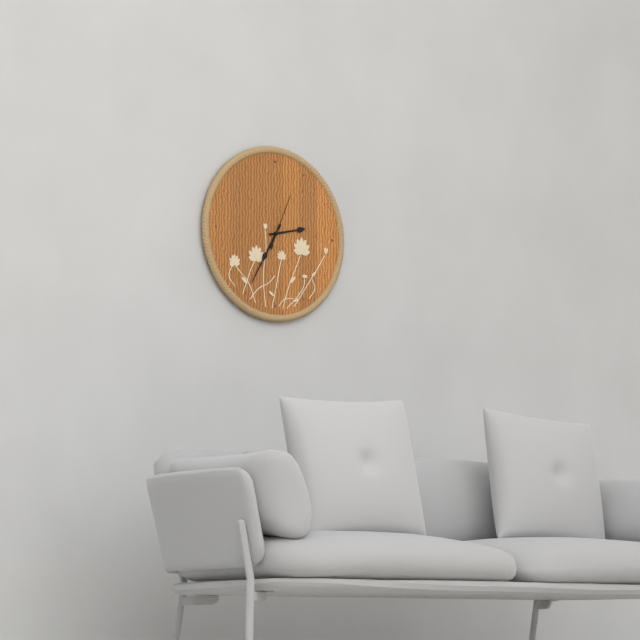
2:35:04
